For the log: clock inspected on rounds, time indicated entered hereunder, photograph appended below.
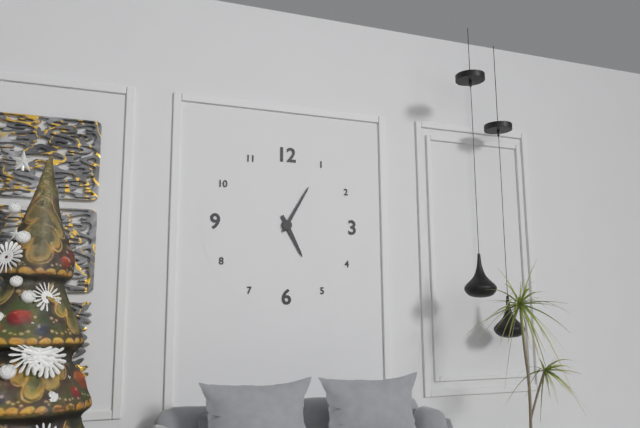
5:05
